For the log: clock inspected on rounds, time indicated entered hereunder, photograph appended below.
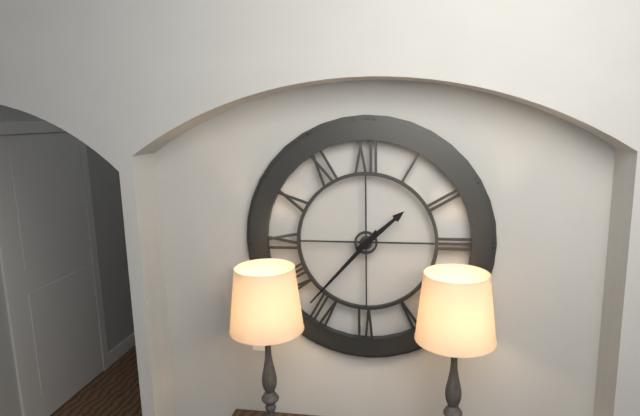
1:37
